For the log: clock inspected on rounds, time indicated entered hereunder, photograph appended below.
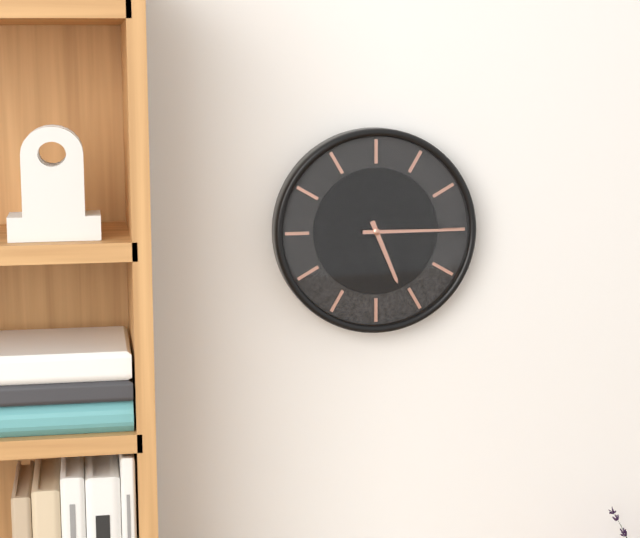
5:15
